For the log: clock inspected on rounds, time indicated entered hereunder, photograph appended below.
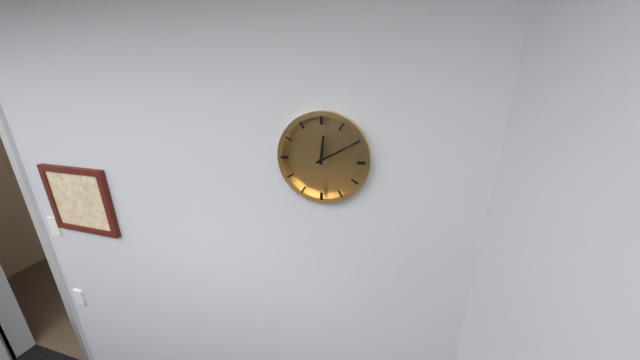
12:10
